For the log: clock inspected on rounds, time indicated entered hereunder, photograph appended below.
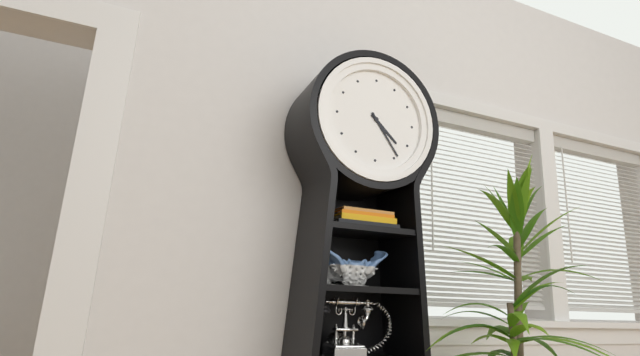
4:24
